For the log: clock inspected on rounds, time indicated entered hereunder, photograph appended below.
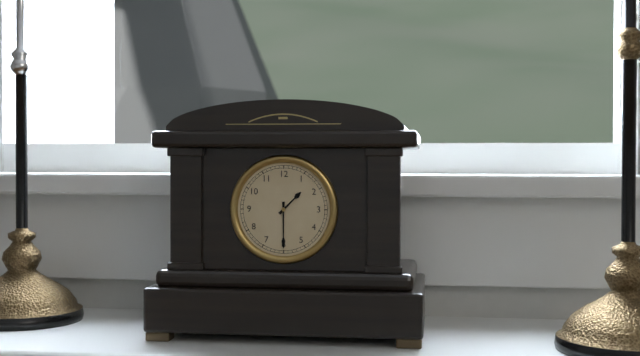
1:30
